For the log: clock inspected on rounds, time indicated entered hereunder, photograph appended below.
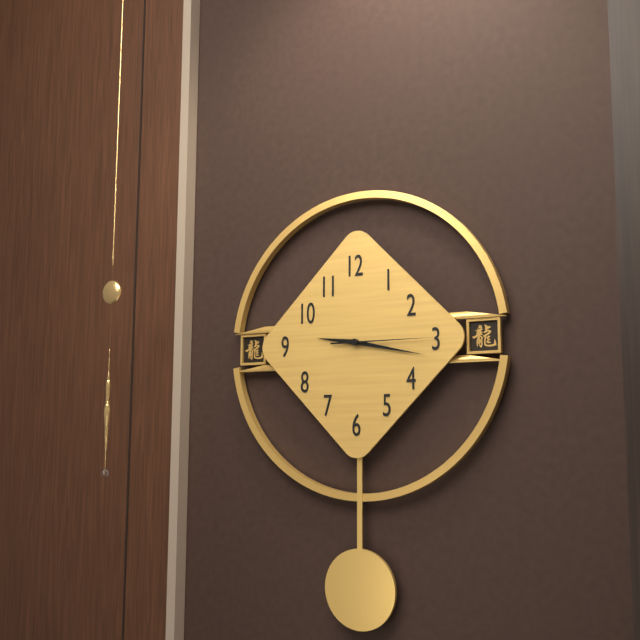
9:17:15
